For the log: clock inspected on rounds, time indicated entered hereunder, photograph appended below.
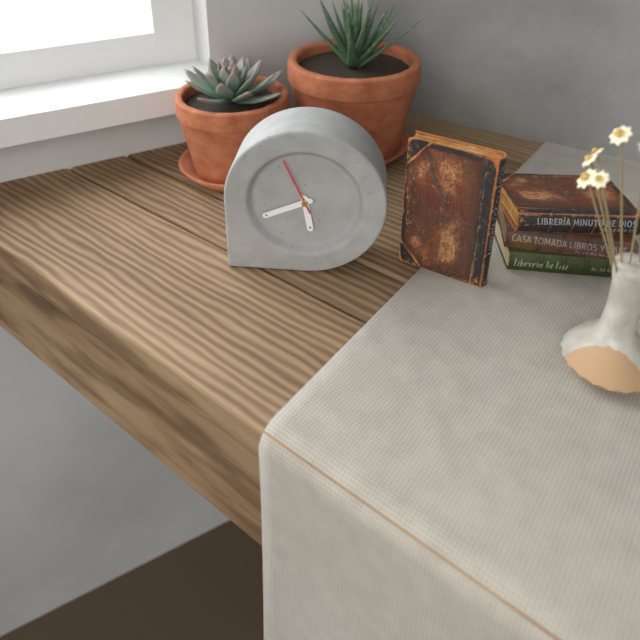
5:41
